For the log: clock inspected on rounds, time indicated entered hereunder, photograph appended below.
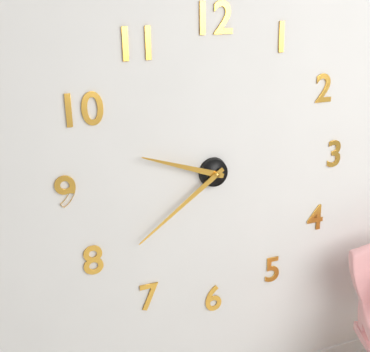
9:39
